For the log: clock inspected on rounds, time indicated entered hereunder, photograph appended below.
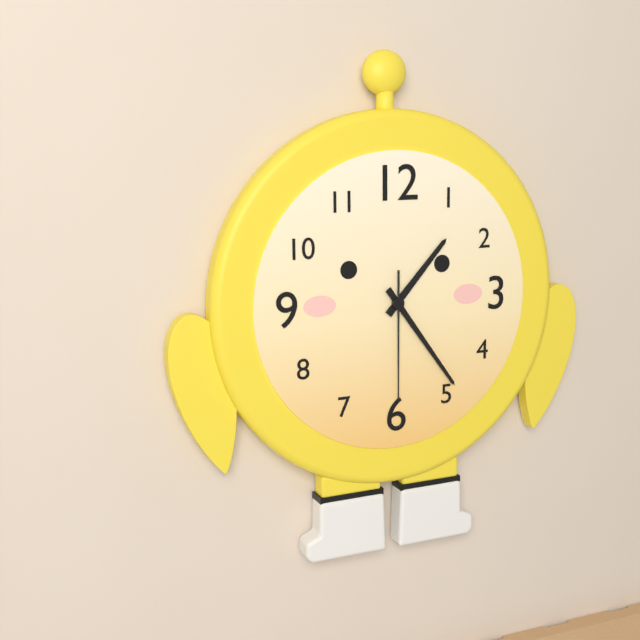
1:24:30
